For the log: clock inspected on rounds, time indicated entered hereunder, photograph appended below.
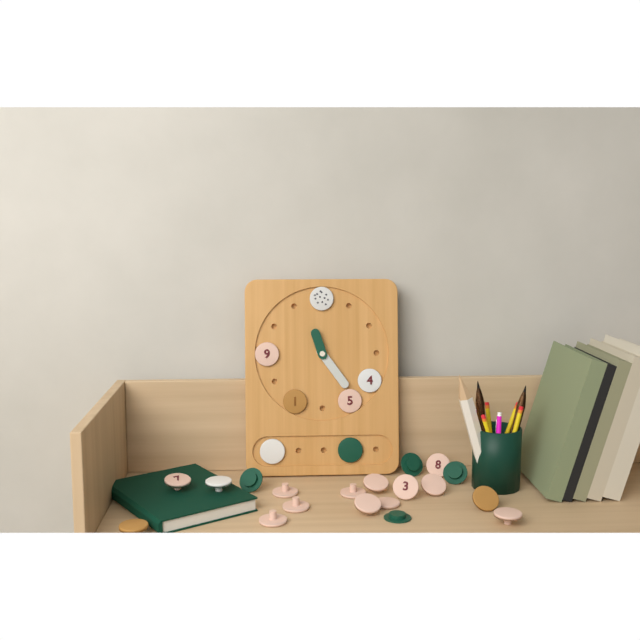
11:24
